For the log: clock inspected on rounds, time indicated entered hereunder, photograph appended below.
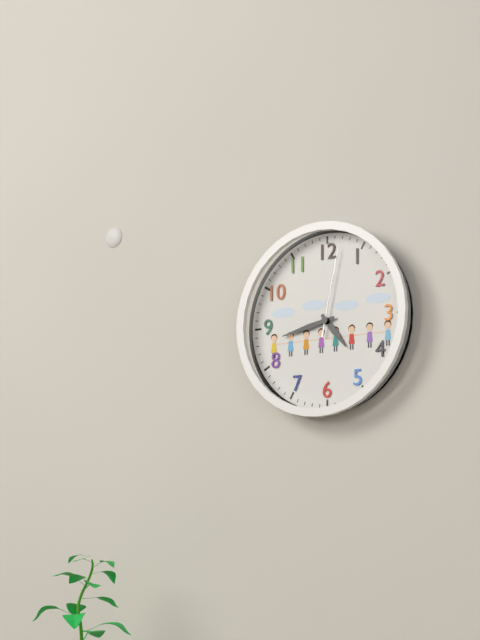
4:43:02
